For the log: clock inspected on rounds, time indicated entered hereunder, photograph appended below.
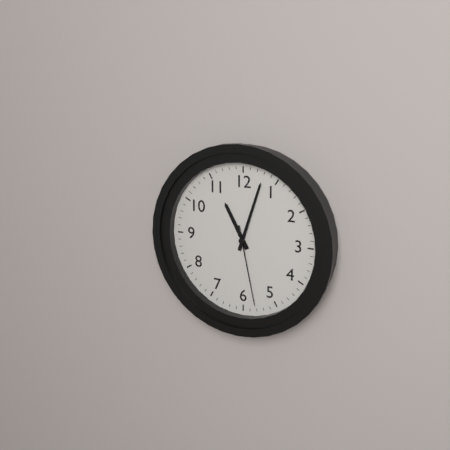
11:03:28
